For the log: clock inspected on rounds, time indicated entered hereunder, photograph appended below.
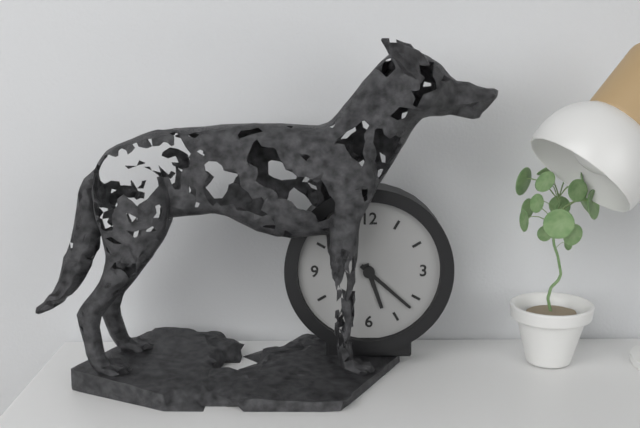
5:22
